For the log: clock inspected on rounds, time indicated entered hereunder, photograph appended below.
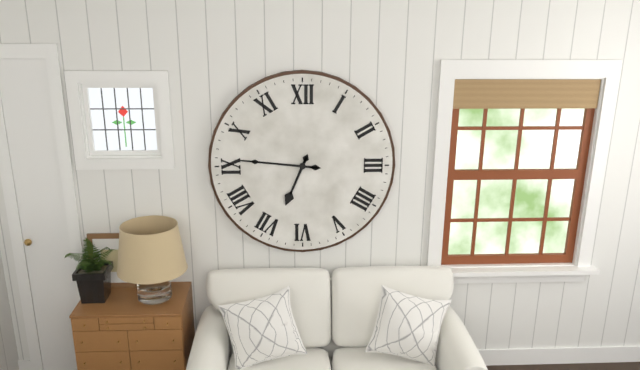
6:46
